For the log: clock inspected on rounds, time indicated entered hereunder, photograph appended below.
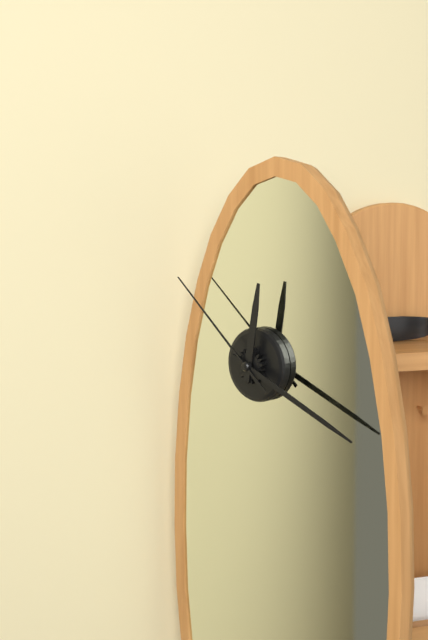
12:19:52
